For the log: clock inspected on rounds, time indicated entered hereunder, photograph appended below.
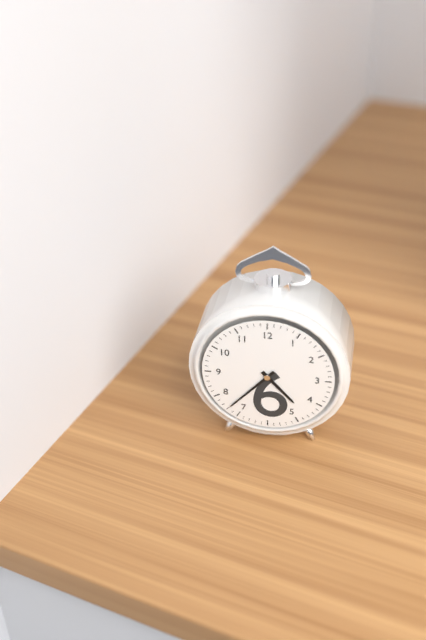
4:37
